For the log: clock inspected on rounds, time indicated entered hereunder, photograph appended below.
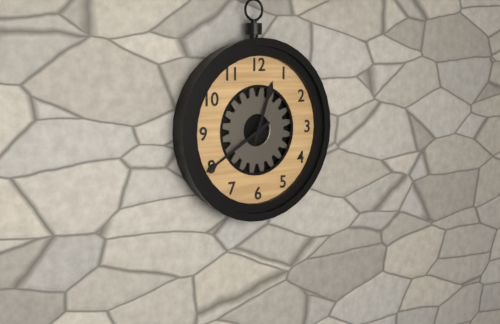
12:40
